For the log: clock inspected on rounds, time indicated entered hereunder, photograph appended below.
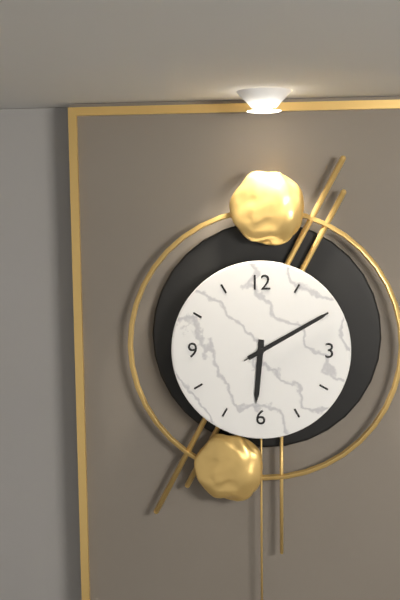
6:10:10
